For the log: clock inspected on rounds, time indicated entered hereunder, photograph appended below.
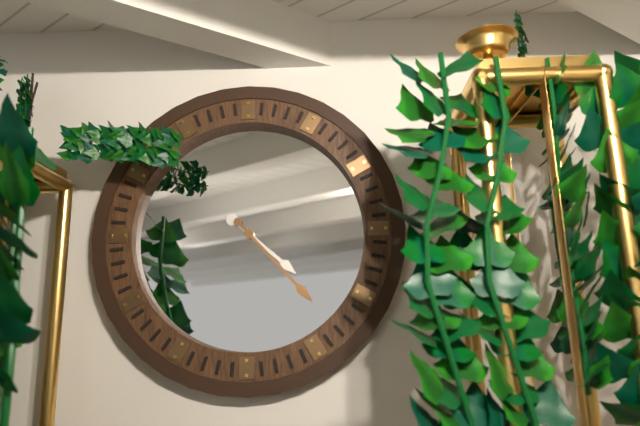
4:23
